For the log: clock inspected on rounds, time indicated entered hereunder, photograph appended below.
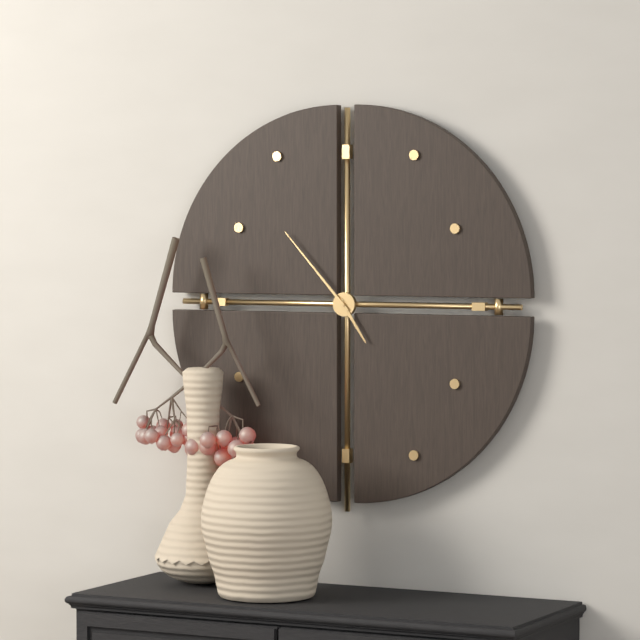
4:53
